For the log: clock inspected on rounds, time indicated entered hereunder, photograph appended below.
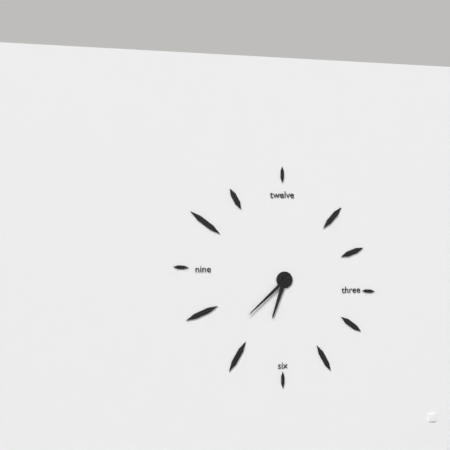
6:38
